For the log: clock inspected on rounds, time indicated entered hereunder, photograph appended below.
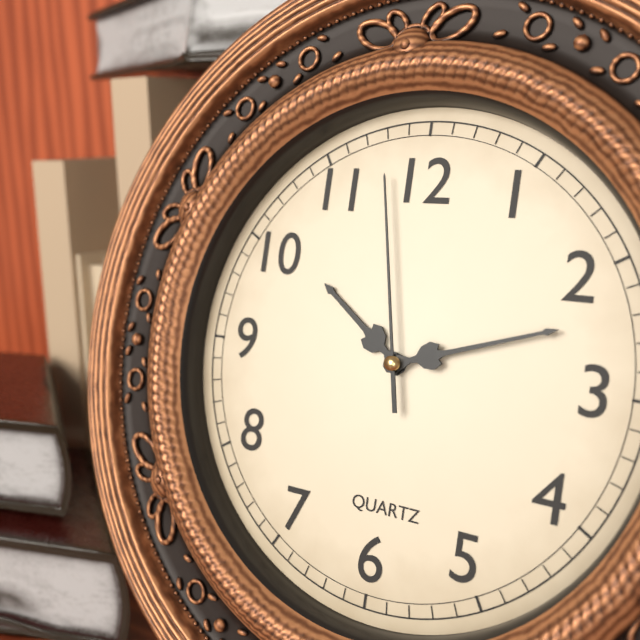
10:12:58
